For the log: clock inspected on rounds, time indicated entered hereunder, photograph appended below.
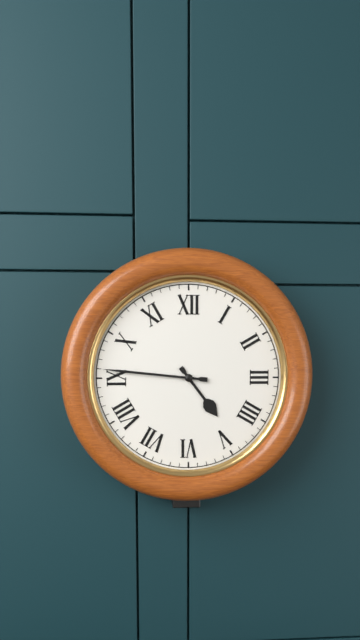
4:46
